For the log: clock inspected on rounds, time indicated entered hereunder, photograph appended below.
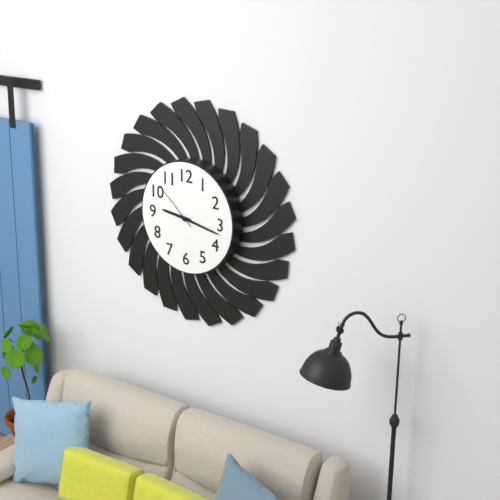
9:17:52
